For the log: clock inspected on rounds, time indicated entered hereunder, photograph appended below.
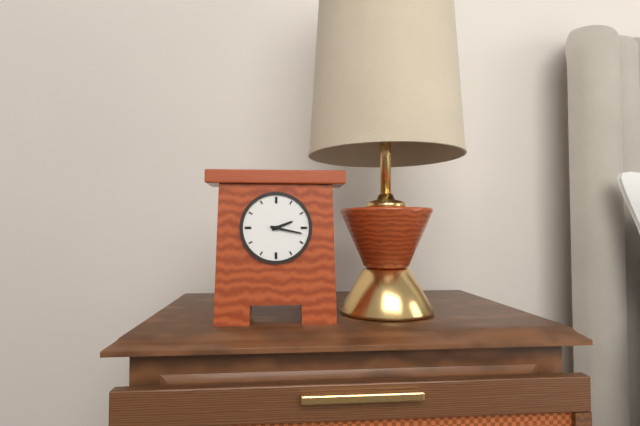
2:17
